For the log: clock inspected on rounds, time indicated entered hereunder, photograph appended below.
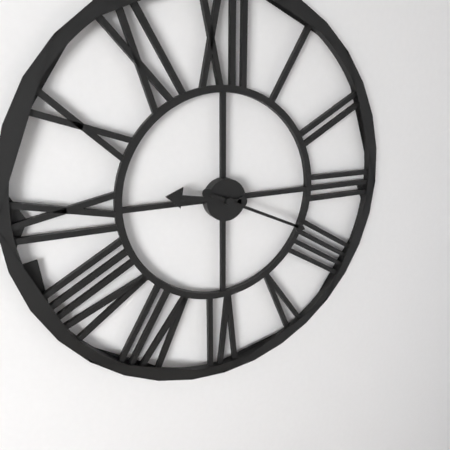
9:19
